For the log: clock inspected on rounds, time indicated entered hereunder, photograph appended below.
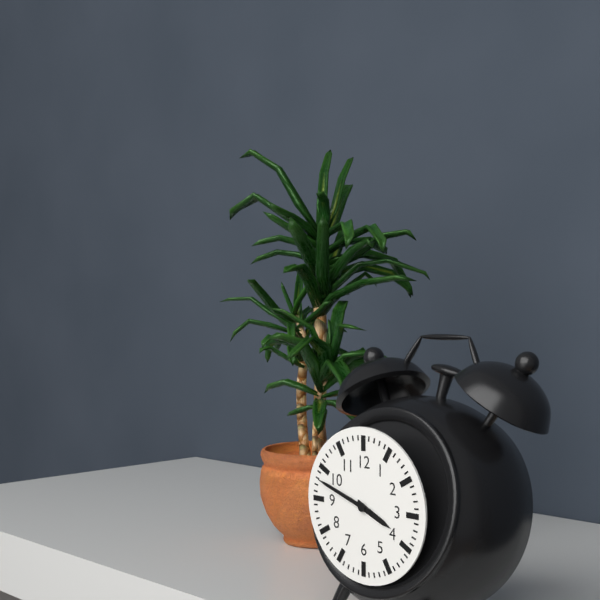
3:48
